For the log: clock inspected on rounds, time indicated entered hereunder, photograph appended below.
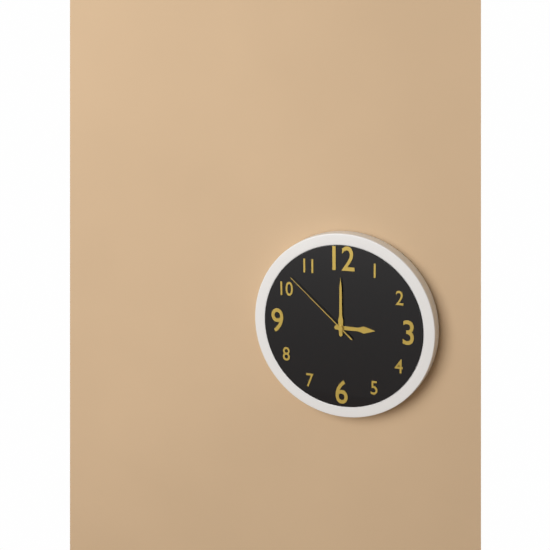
3:00:52
